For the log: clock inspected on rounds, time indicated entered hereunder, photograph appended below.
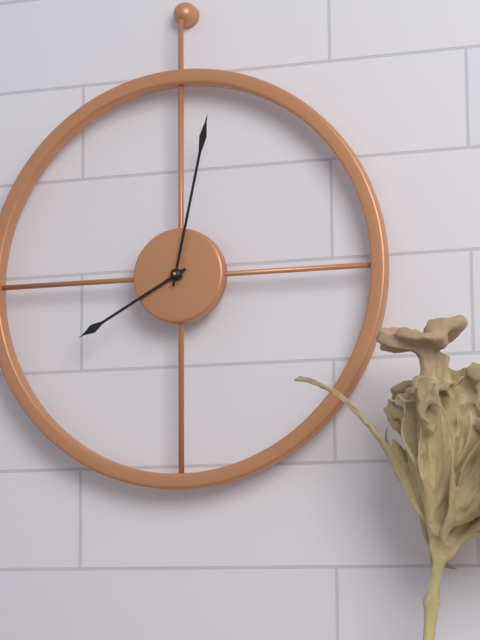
8:02
